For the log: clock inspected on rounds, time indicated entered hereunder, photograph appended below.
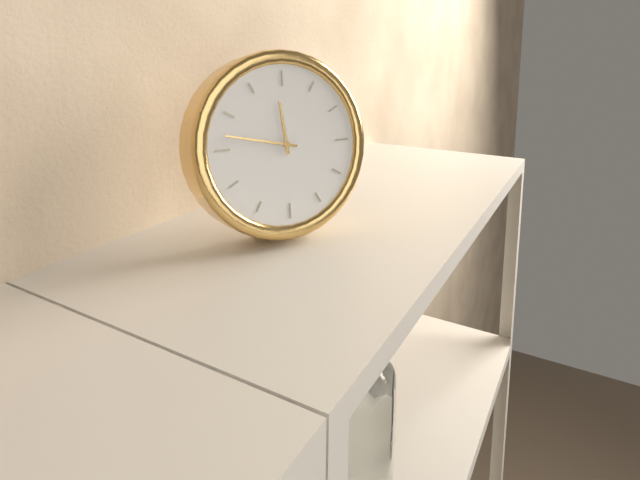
11:47
